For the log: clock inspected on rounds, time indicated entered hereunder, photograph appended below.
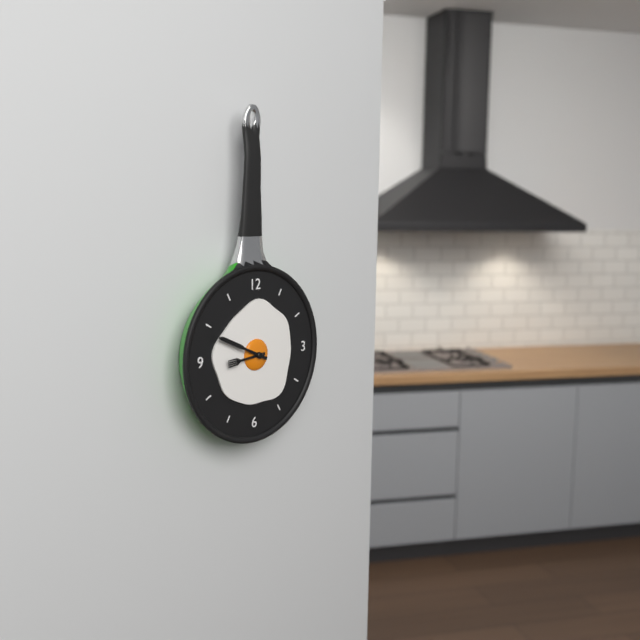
8:49
